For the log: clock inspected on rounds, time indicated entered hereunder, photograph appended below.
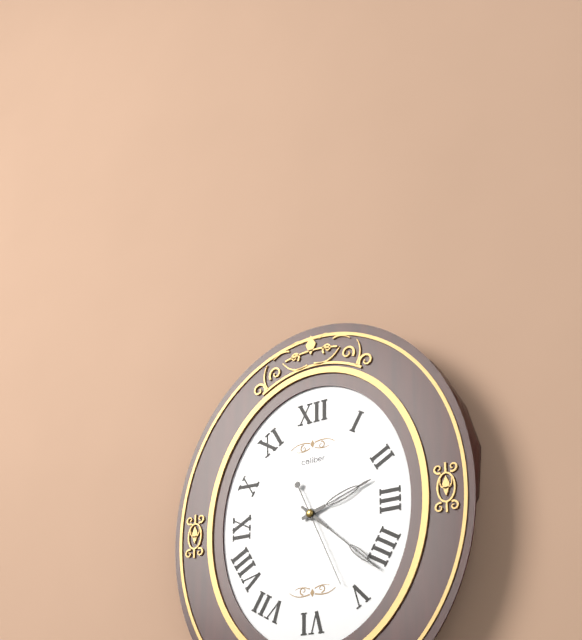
2:22:26
